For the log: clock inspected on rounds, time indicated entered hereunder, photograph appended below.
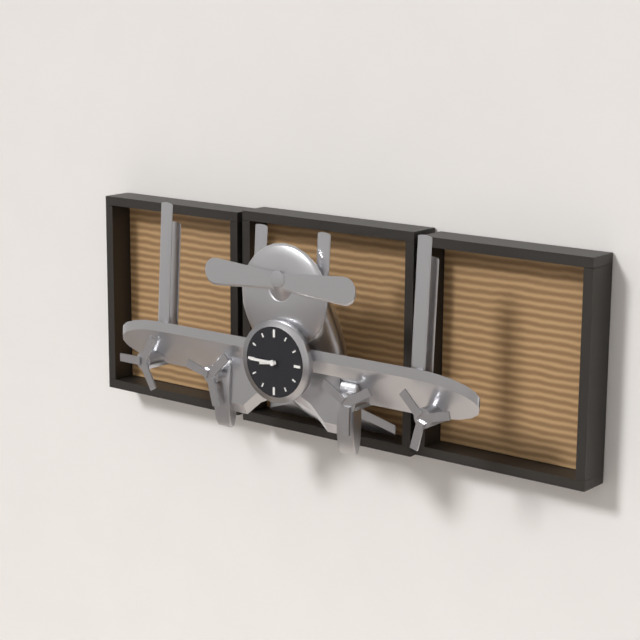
8:45
